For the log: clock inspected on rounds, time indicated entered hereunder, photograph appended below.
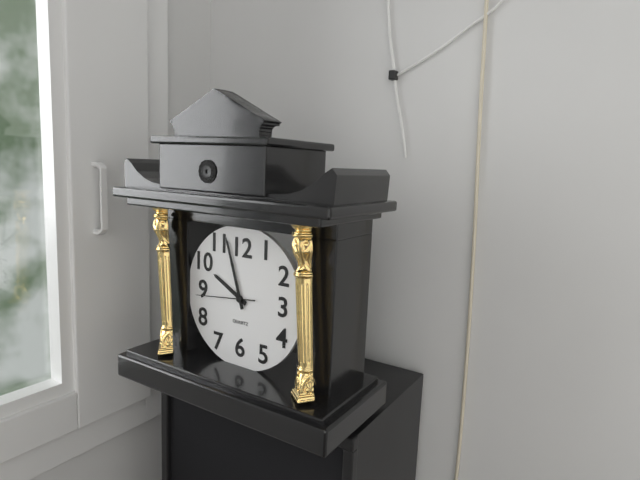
9:57:44
